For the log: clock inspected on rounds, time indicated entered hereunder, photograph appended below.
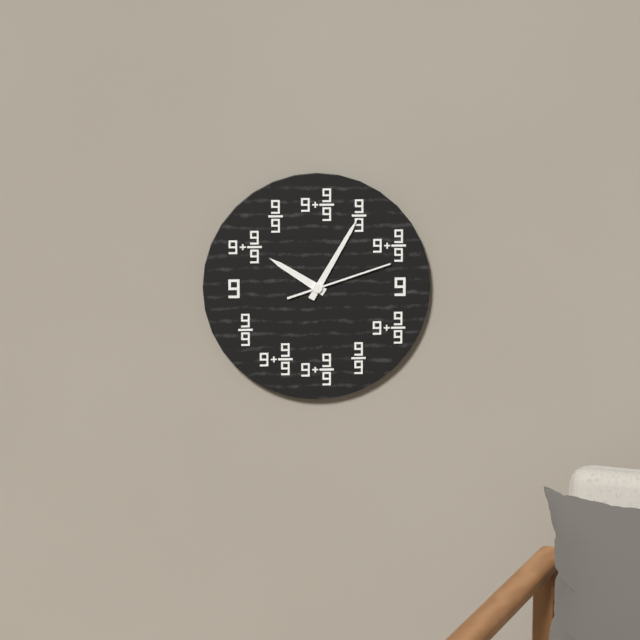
10:05:12
